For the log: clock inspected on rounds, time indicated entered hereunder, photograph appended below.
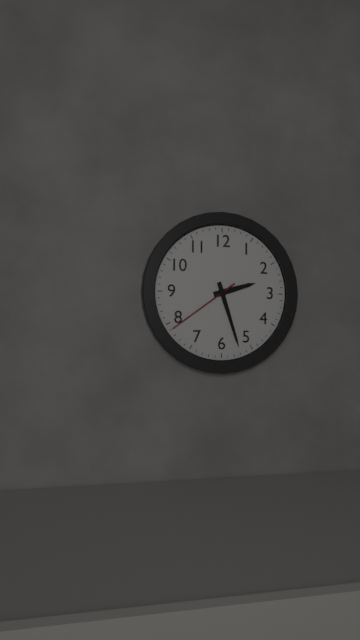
2:27:39
